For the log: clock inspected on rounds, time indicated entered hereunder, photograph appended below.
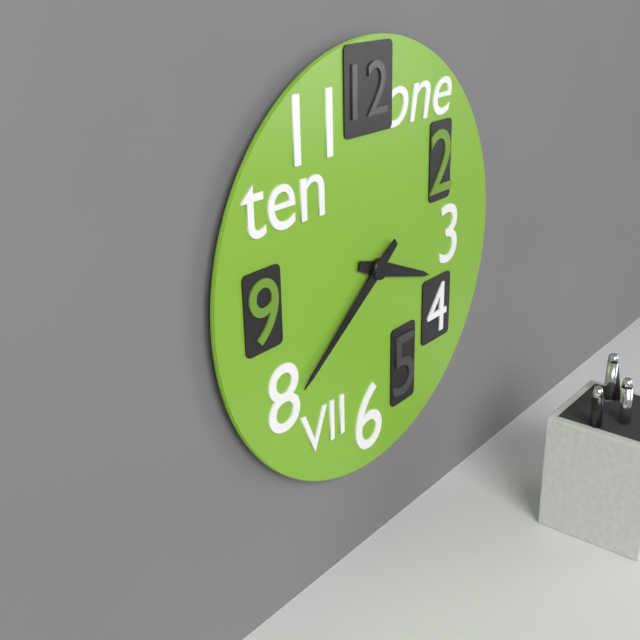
3:39
